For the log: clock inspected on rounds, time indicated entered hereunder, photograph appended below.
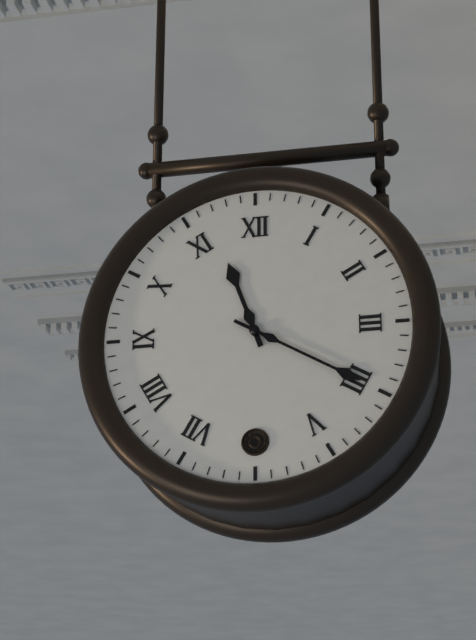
11:20
